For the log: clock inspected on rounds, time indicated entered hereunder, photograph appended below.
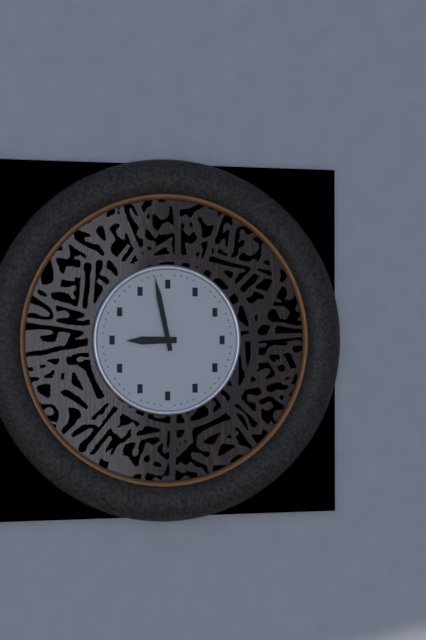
8:58
